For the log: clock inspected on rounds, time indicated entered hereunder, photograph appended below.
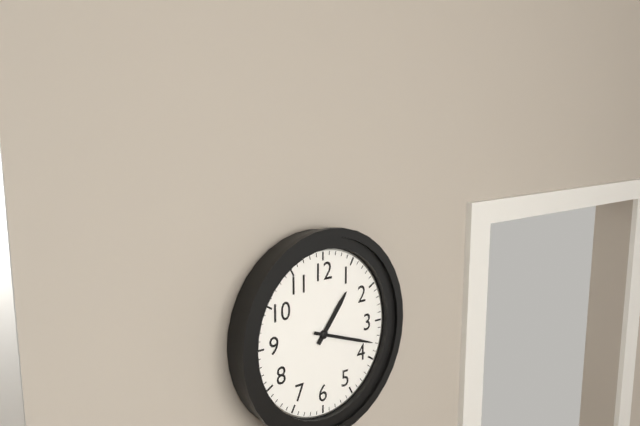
1:18
